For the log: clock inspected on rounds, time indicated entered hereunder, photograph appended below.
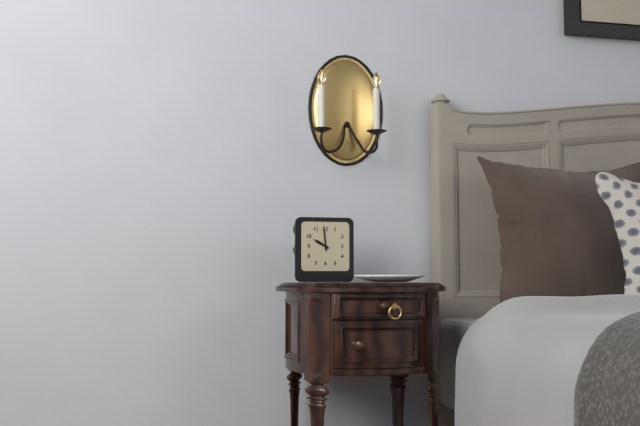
9:59
